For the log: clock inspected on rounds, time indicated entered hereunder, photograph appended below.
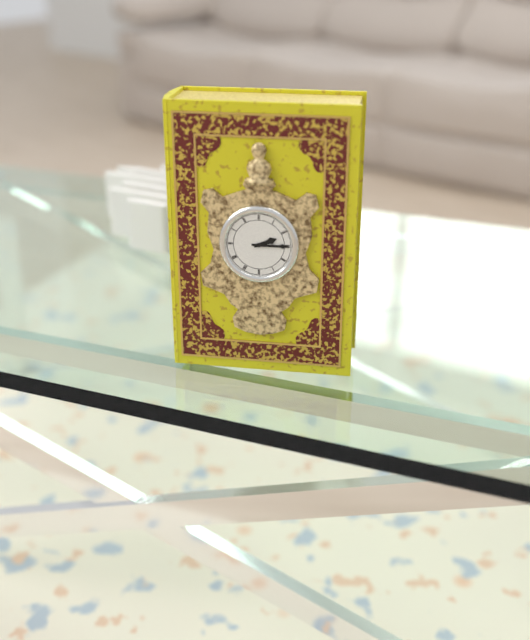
2:15
